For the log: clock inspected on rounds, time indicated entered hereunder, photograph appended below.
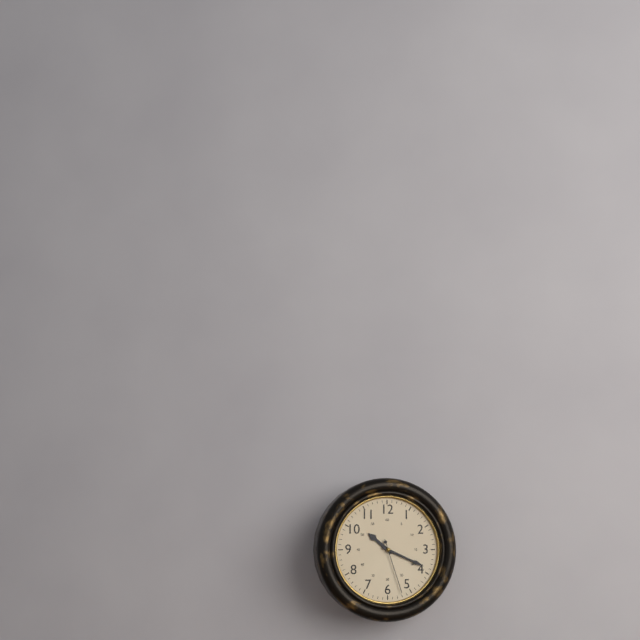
10:19:27
